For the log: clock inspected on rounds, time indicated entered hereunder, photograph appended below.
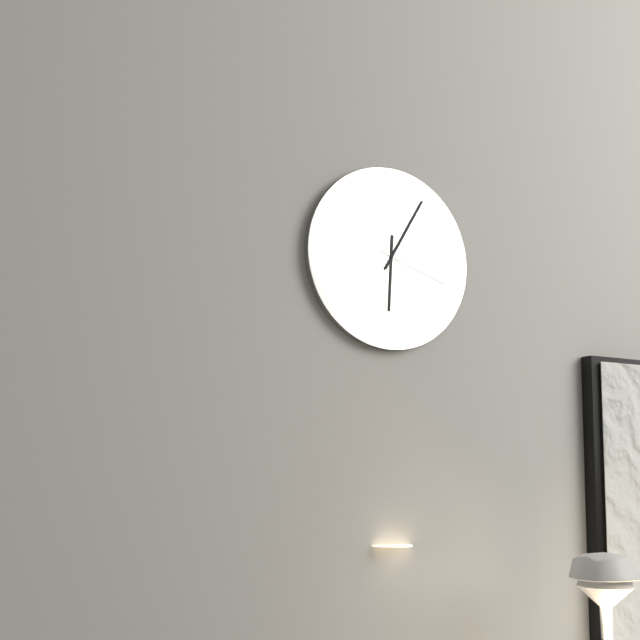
6:05:18
